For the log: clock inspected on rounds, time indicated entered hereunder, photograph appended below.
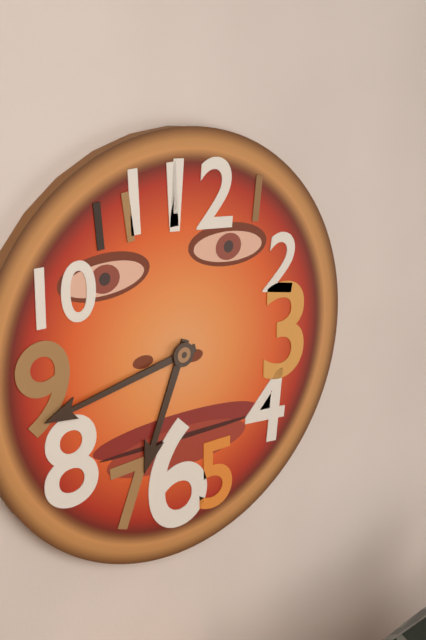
6:43
